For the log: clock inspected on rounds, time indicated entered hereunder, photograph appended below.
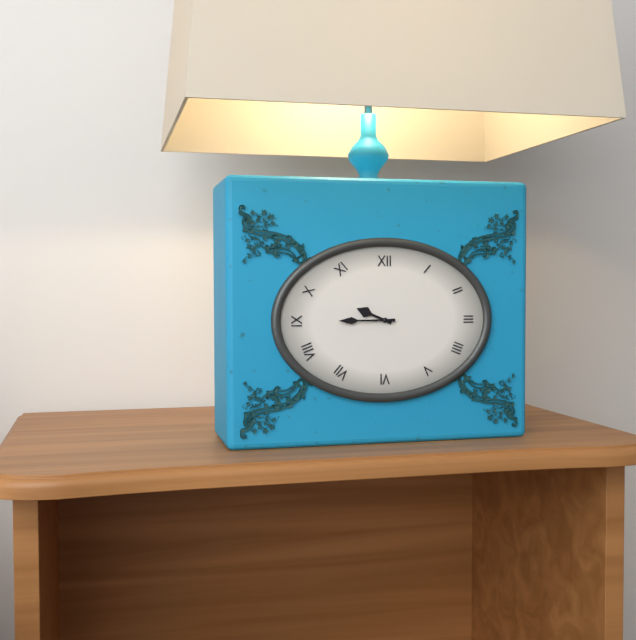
9:45
